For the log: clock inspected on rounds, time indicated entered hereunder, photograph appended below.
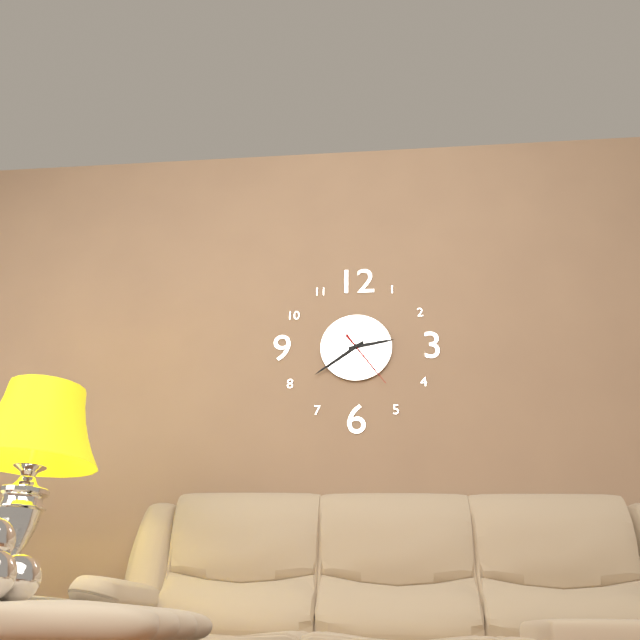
2:39:24
